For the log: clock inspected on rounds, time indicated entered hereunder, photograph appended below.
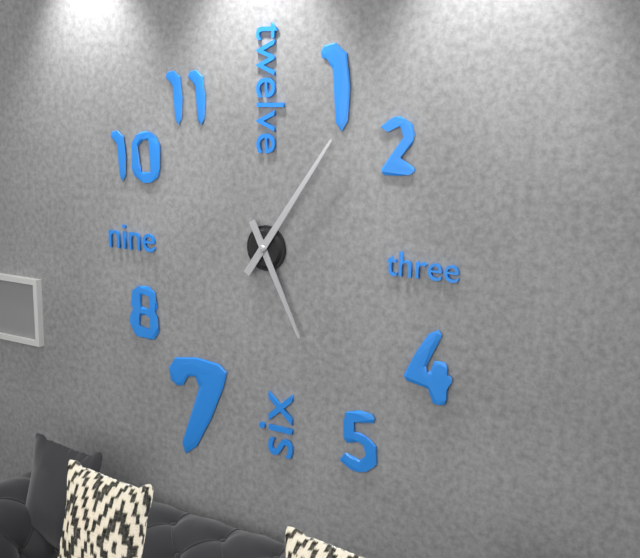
5:06
